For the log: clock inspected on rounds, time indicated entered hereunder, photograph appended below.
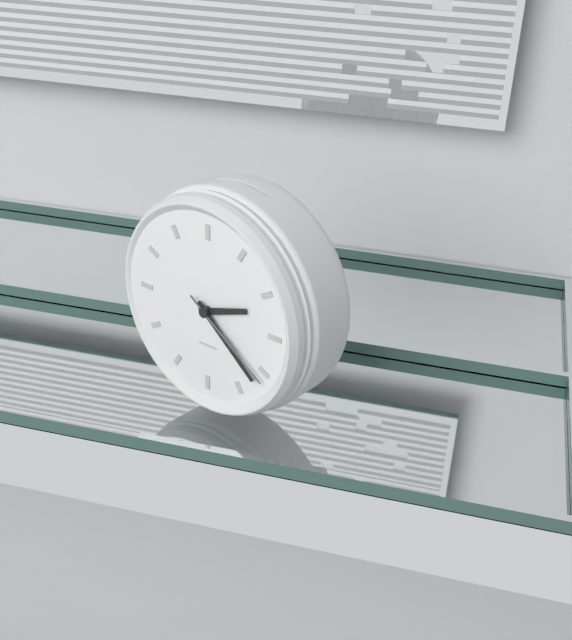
2:22:21
